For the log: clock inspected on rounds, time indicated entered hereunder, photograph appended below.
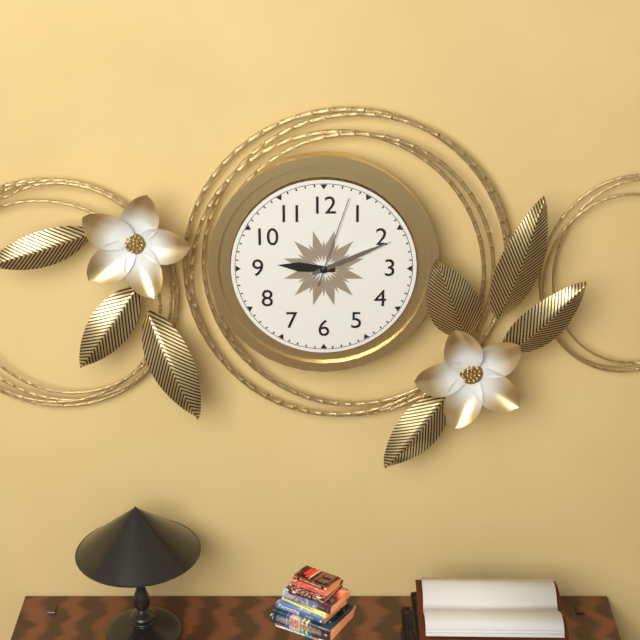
9:11:03
